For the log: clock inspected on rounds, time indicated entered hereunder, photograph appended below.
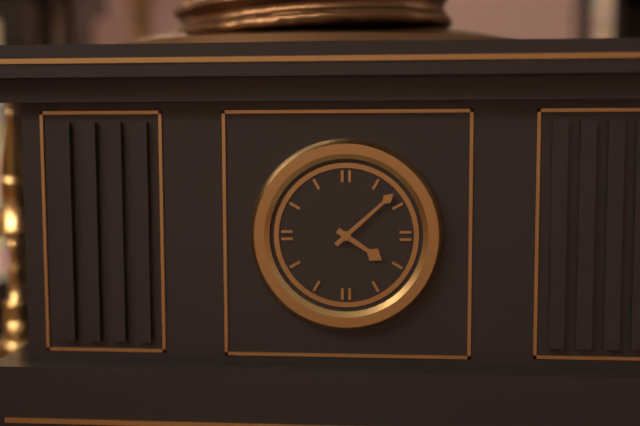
4:08
